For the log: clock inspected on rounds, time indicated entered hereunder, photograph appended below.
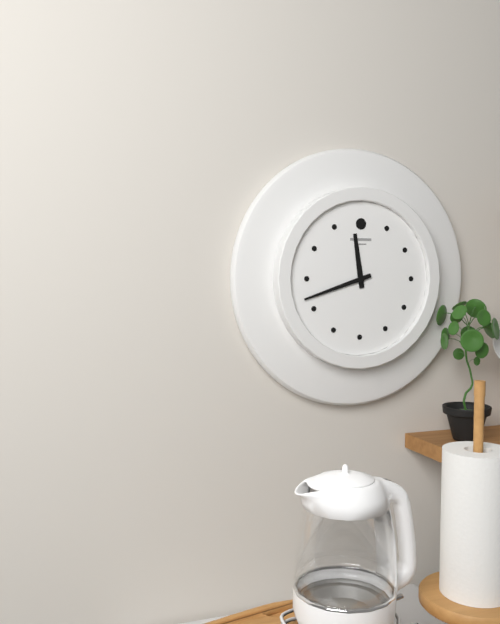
11:42
